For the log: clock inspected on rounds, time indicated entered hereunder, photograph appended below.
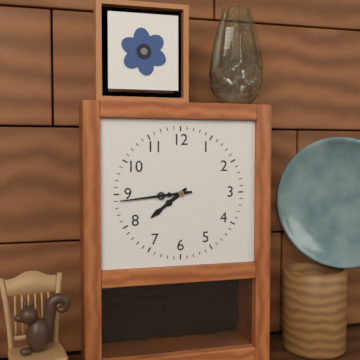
7:44
